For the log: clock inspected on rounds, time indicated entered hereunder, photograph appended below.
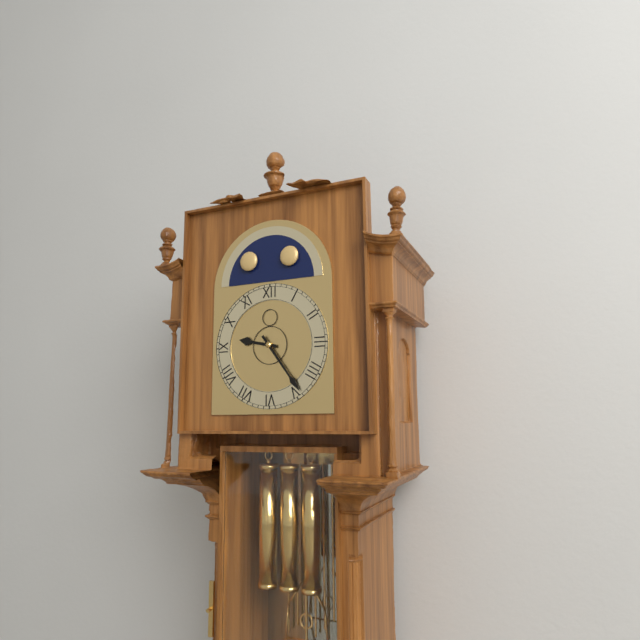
9:24
